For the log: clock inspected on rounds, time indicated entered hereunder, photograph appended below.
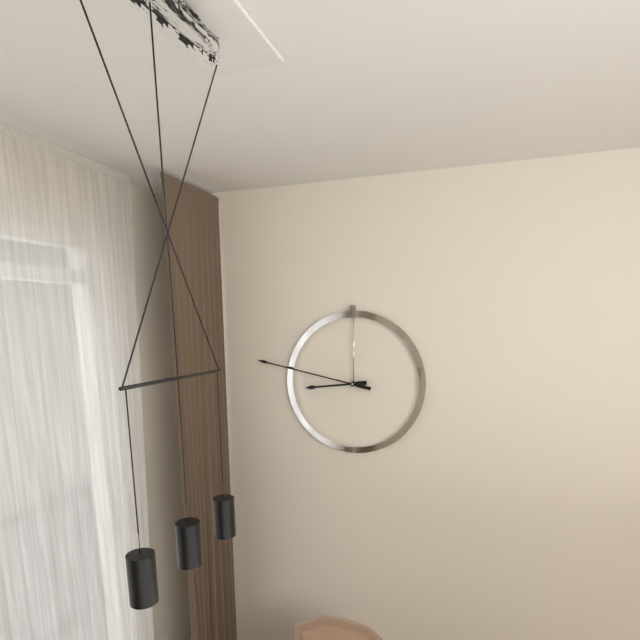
8:47
